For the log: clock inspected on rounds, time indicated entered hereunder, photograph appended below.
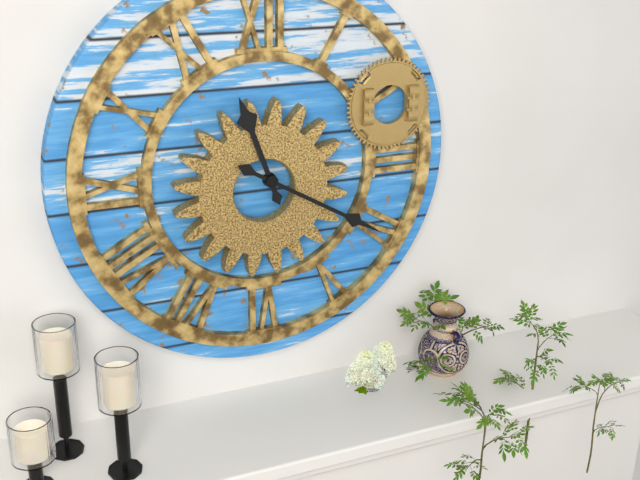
11:20
